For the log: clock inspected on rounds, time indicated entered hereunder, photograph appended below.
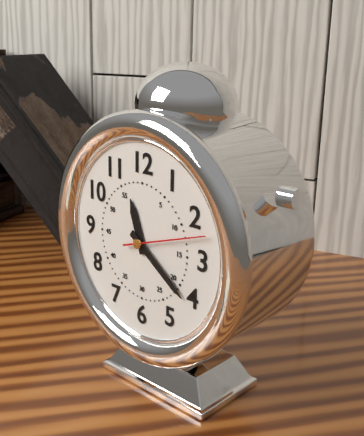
11:21:12
